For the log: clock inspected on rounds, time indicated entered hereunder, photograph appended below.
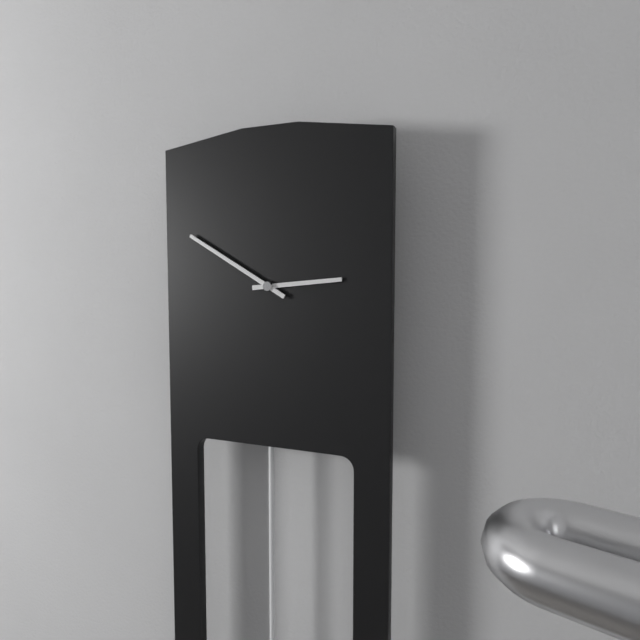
2:50
